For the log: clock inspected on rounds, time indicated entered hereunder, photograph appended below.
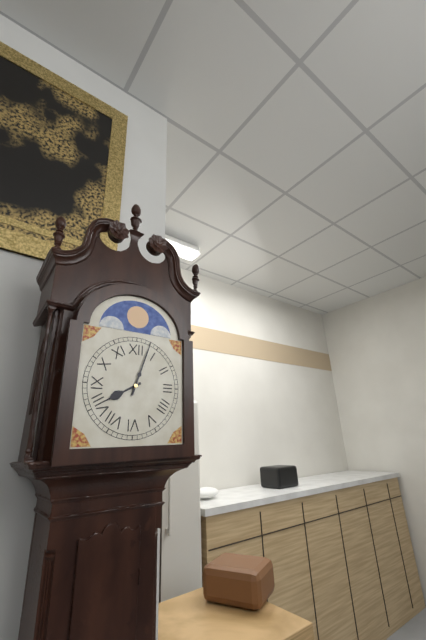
8:03
